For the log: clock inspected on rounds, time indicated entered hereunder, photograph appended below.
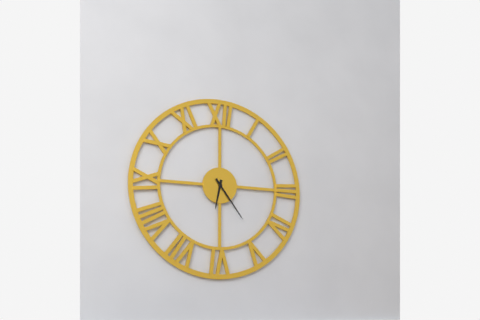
6:24
